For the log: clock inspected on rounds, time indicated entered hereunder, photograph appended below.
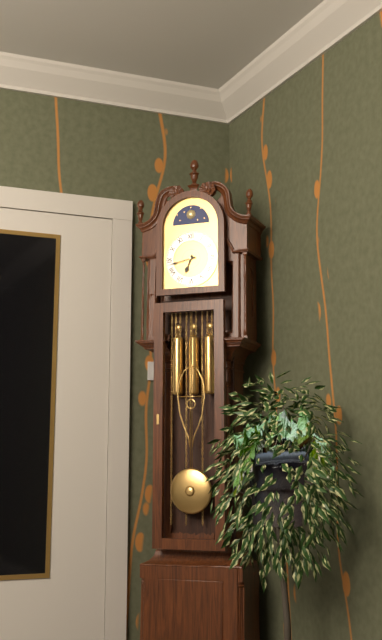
6:43
